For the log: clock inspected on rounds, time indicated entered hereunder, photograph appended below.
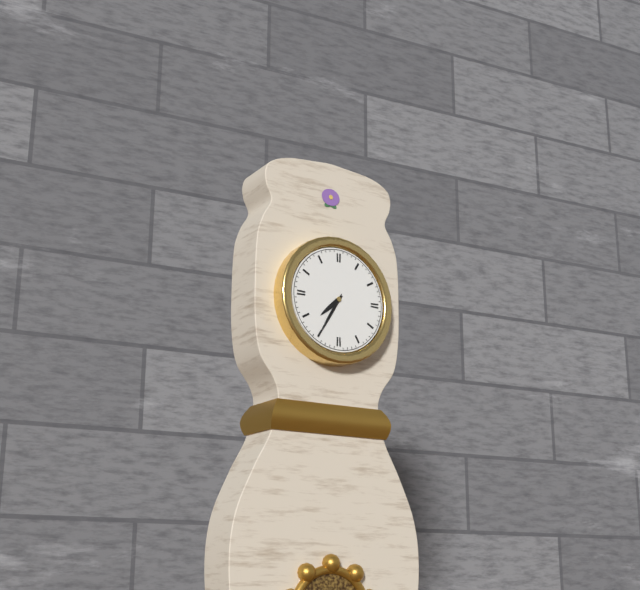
7:35
